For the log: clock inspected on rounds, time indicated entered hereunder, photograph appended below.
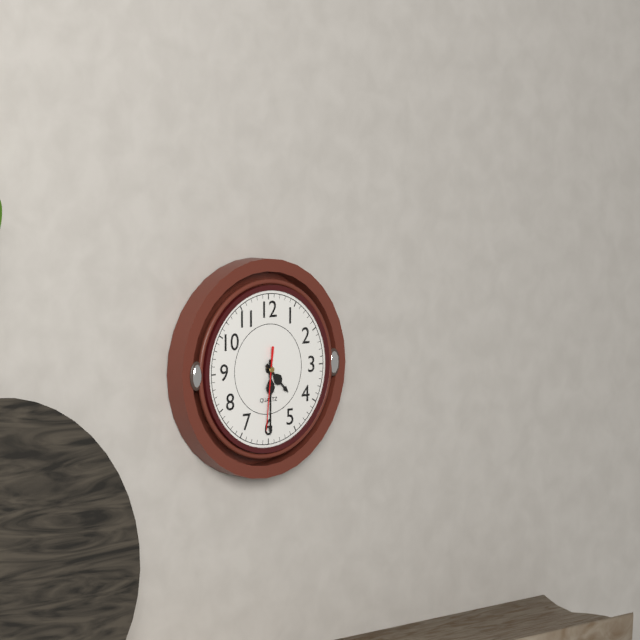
4:30:31
